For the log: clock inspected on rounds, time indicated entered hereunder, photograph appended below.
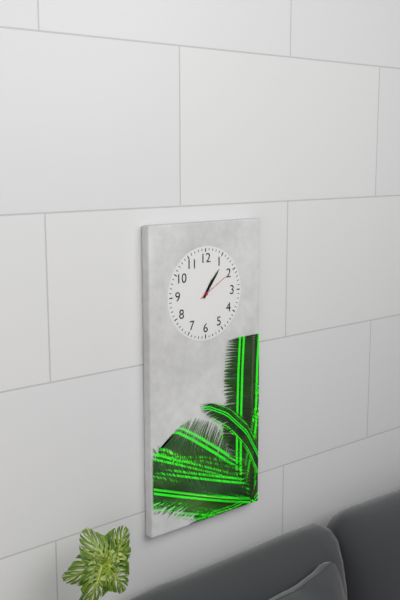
1:06
